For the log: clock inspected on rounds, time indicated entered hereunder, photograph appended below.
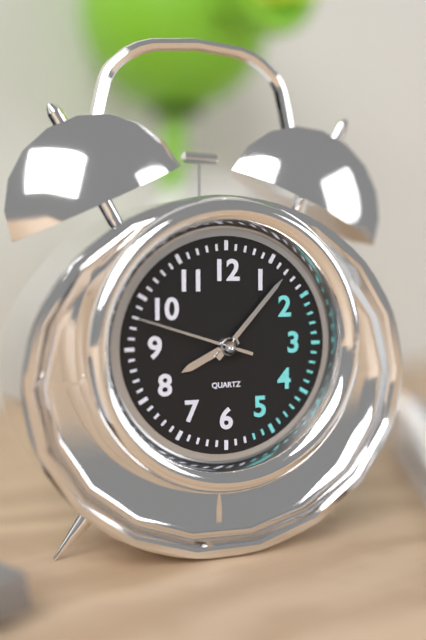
8:07:48
